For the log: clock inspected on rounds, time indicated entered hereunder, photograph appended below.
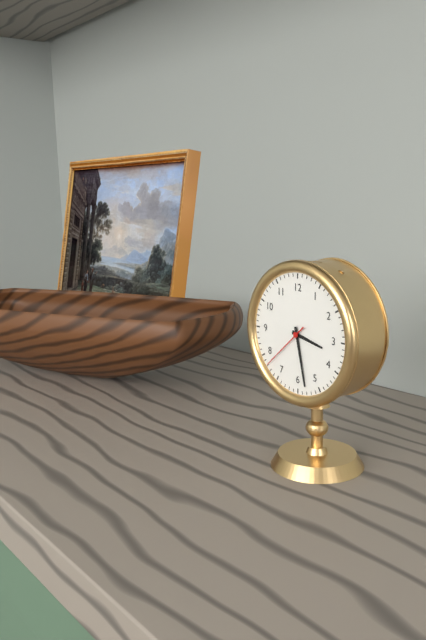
3:28:38
